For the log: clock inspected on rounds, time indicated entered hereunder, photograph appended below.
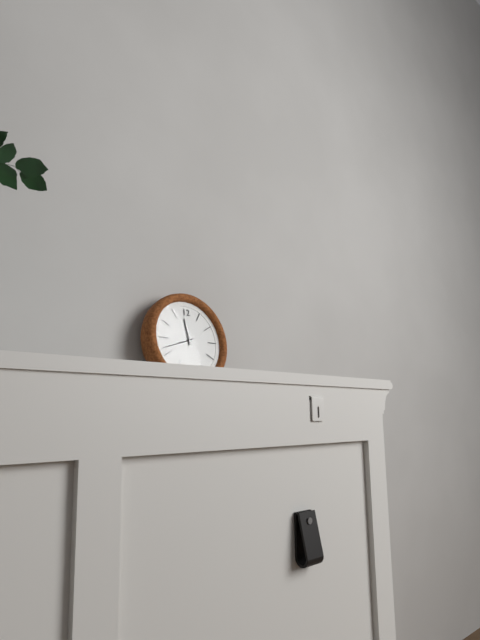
11:42
